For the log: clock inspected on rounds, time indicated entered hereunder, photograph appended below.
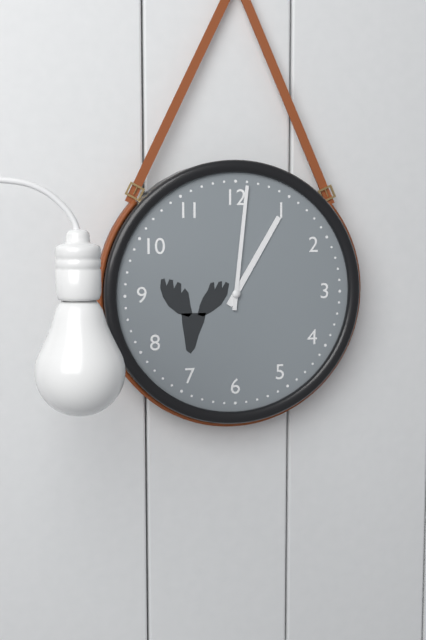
1:01
